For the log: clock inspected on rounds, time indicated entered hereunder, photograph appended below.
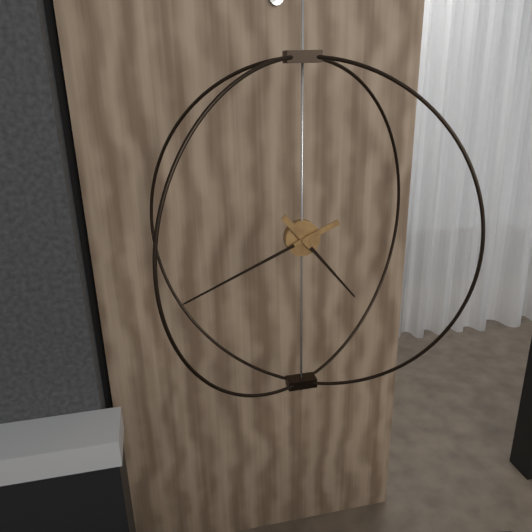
4:41
